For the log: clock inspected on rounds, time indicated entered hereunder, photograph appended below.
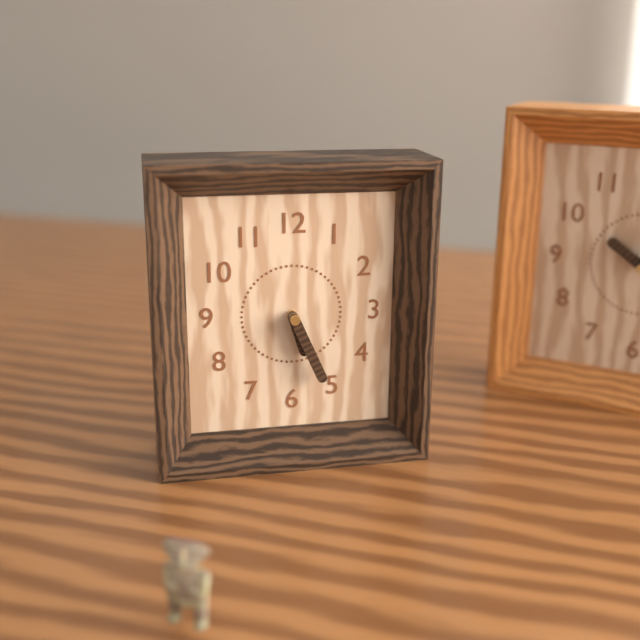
5:26
